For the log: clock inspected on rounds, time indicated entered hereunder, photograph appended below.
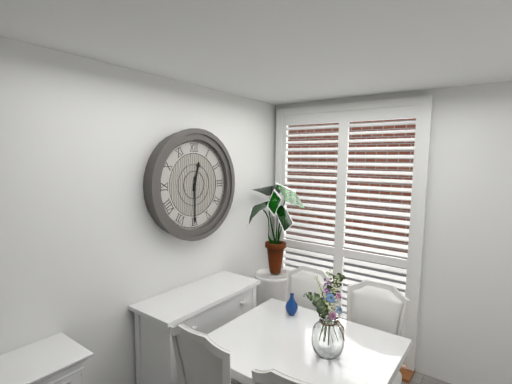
12:30
